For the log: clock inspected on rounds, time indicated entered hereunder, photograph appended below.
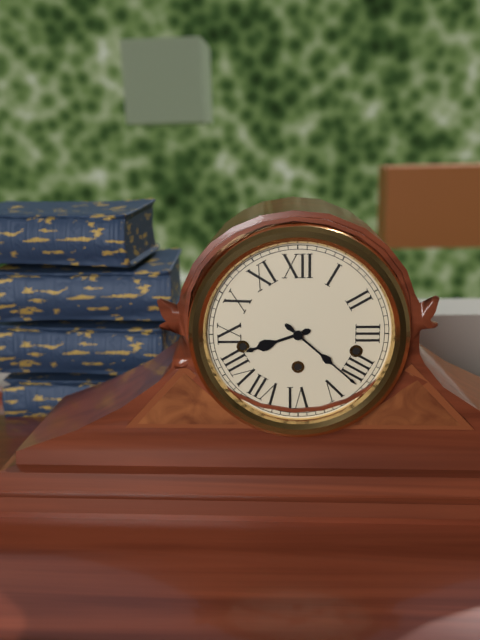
8:22
